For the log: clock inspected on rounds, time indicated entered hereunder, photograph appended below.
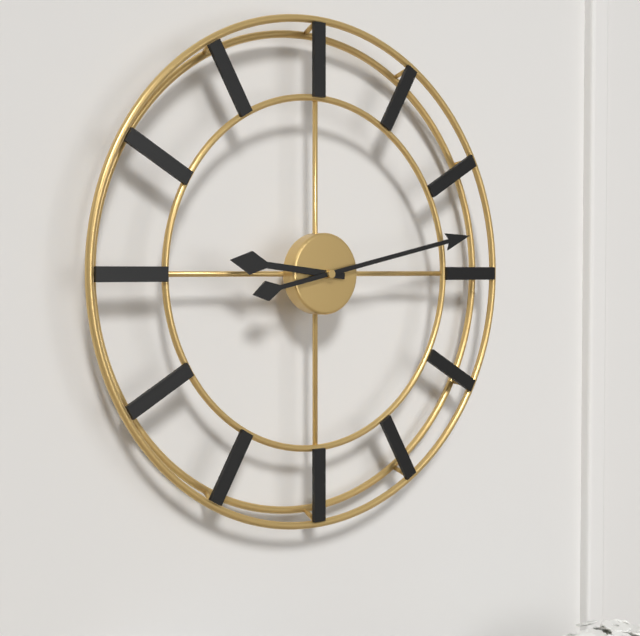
9:13
